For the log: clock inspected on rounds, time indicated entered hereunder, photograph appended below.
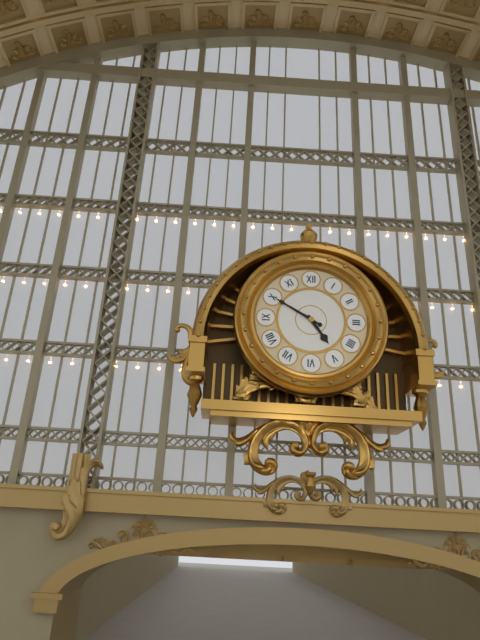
4:50
